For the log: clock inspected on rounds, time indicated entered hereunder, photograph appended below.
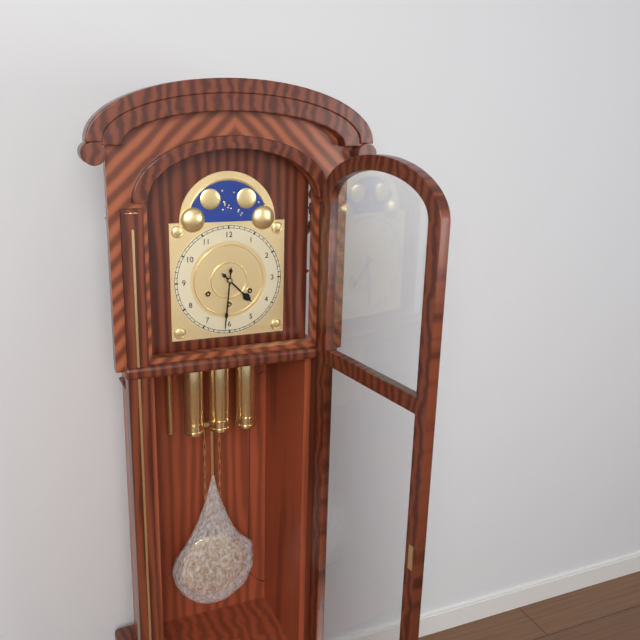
4:31
